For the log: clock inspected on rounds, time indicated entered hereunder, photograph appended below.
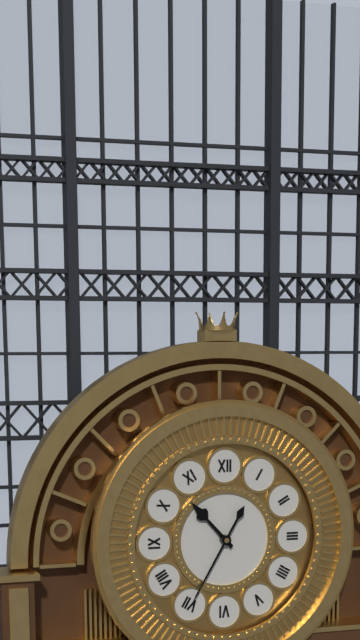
10:35
